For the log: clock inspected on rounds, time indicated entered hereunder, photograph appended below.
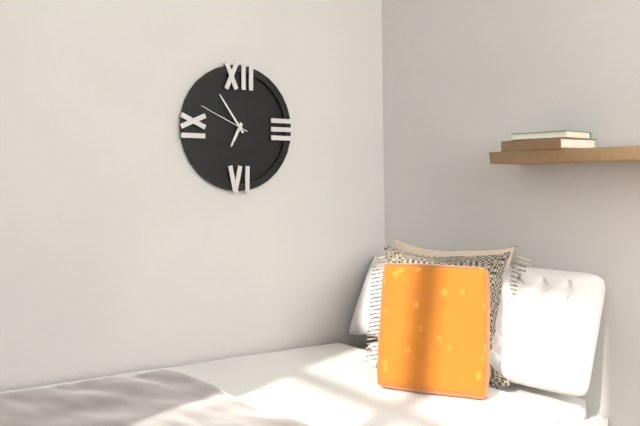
6:54:49
